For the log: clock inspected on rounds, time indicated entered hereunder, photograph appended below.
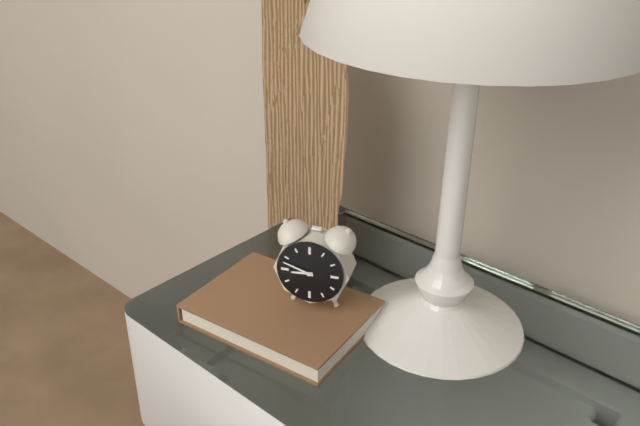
8:48
